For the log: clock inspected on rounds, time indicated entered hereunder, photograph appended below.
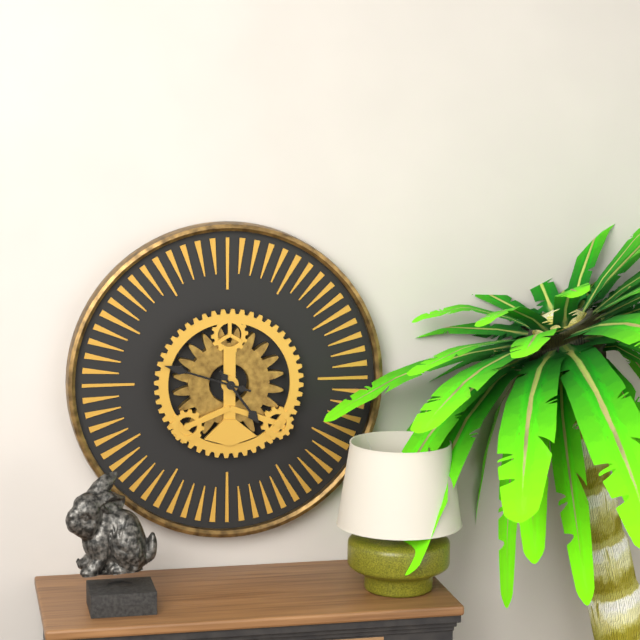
4:48
